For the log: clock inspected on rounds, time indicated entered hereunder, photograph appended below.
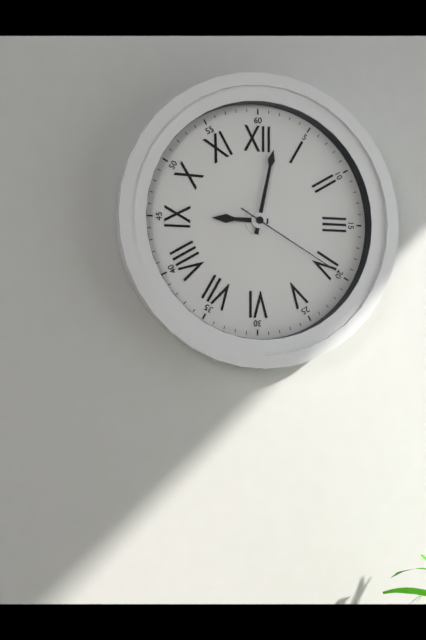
9:02:20
